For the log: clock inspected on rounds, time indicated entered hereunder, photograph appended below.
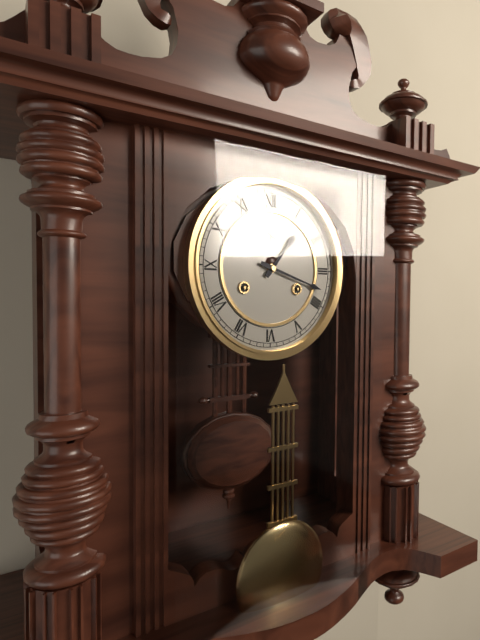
1:18
